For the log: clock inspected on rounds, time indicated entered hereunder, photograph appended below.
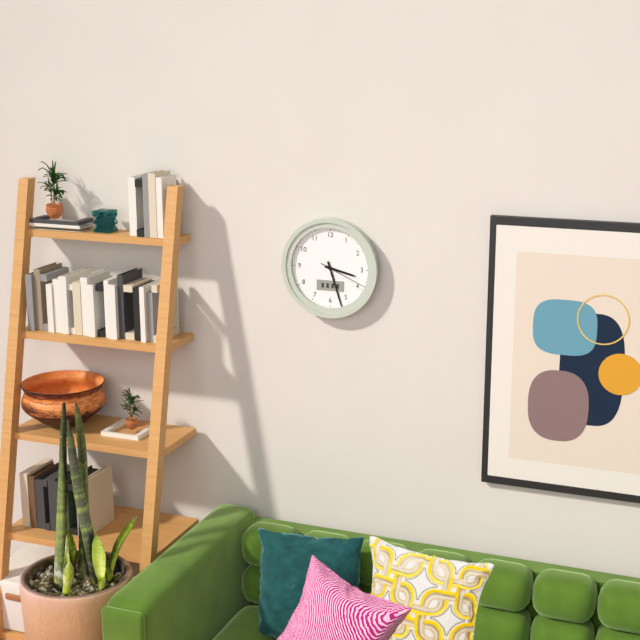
3:27:19
